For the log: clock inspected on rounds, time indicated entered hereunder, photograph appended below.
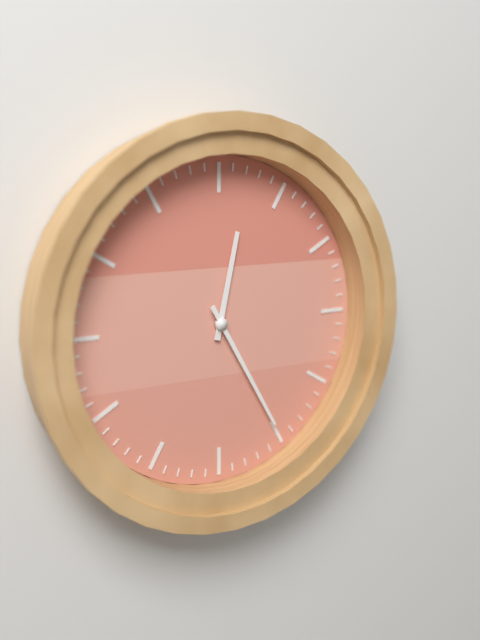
12:25
